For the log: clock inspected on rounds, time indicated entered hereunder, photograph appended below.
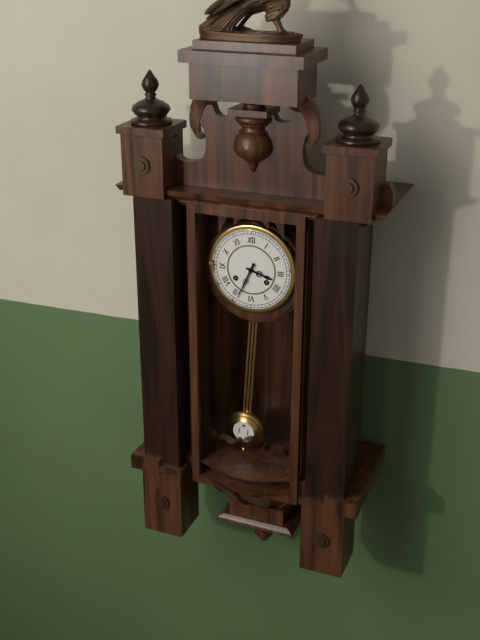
3:34
